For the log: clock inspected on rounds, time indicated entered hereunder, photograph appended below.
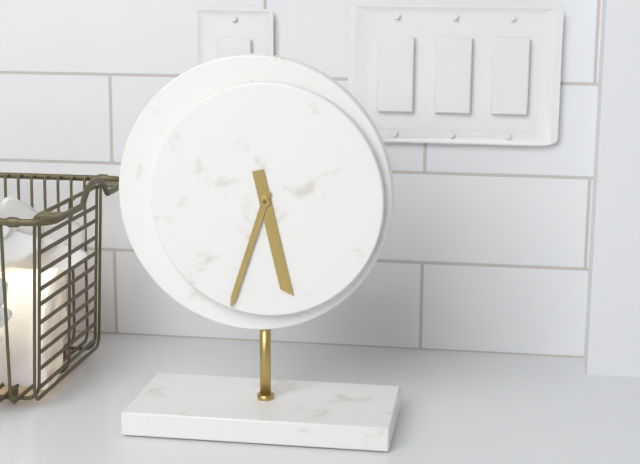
5:33
